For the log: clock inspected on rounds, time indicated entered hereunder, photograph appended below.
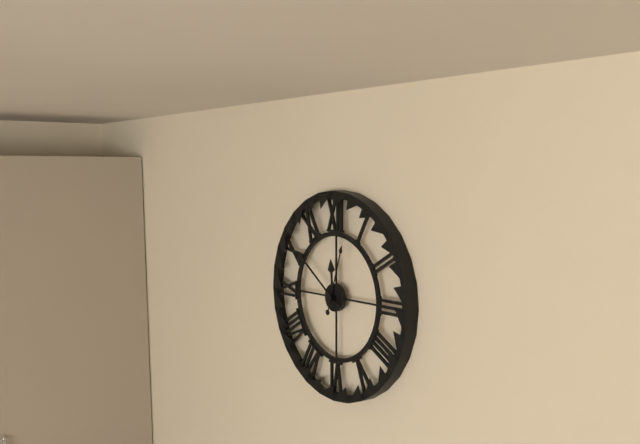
11:51:03
